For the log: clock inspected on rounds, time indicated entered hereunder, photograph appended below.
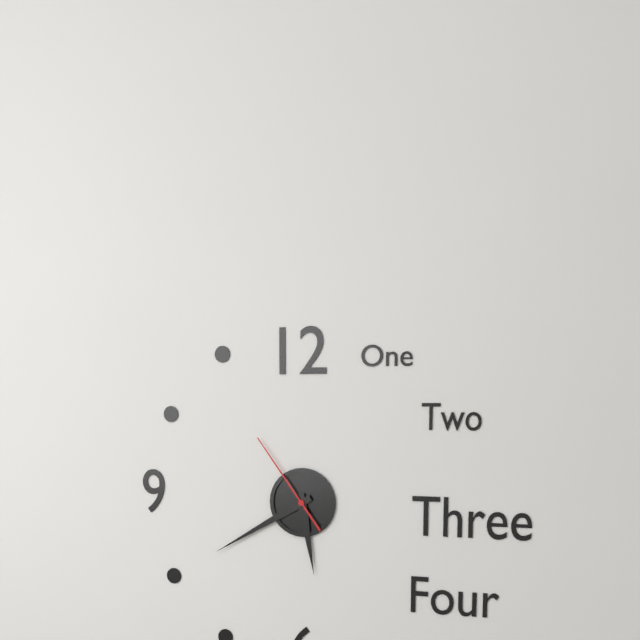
5:40:54
